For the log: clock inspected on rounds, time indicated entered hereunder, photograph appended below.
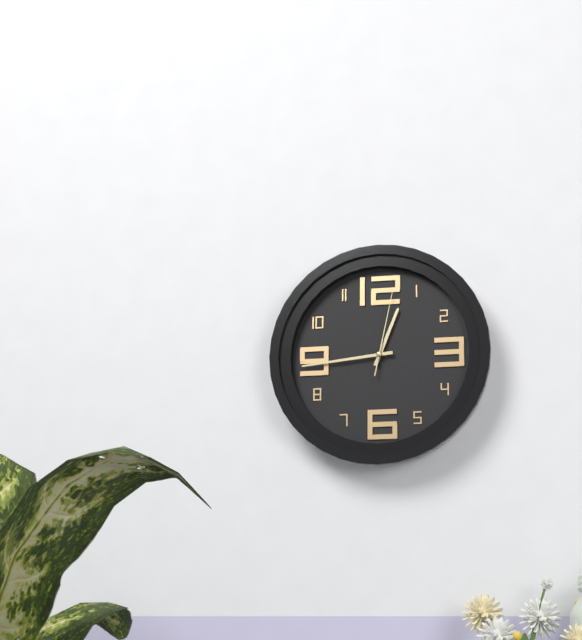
12:44:02
